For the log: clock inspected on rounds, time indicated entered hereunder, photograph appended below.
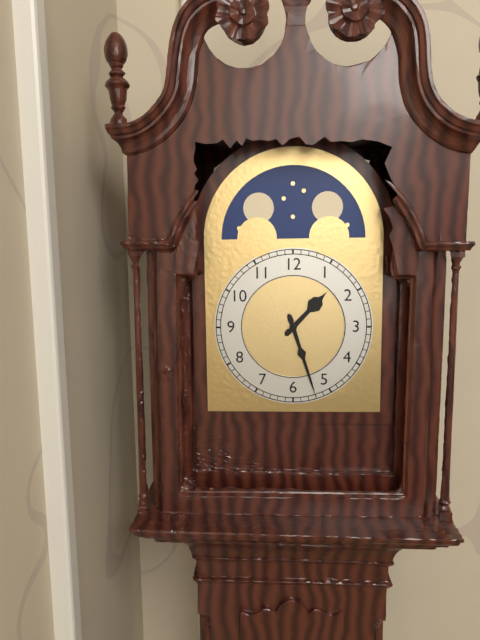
1:27
